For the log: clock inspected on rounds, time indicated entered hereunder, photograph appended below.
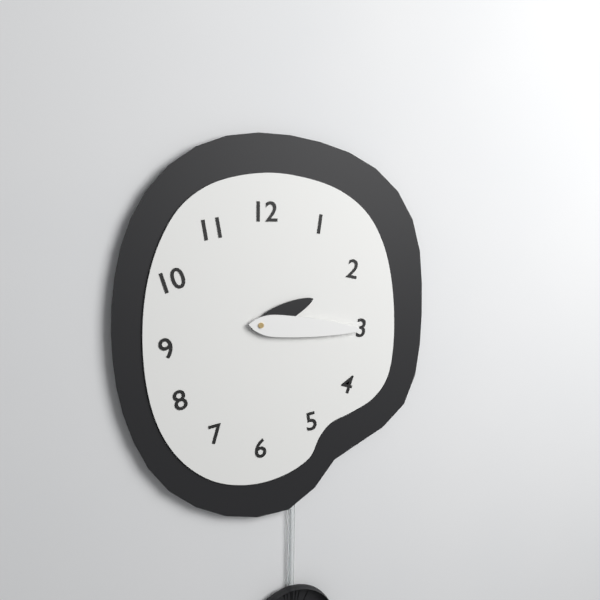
2:16
